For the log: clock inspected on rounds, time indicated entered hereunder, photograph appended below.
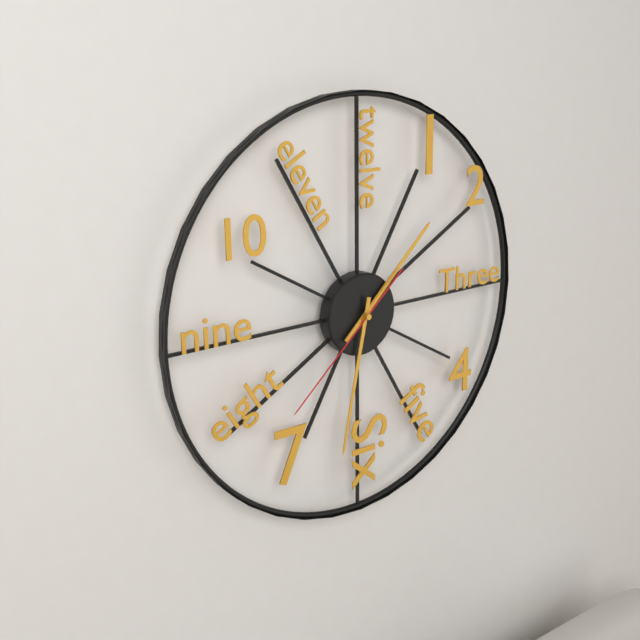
1:32:38
